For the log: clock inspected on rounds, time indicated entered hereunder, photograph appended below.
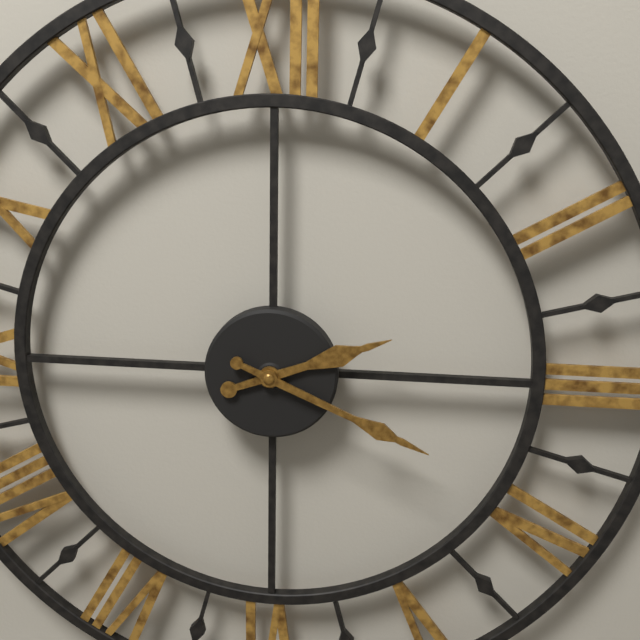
2:19
